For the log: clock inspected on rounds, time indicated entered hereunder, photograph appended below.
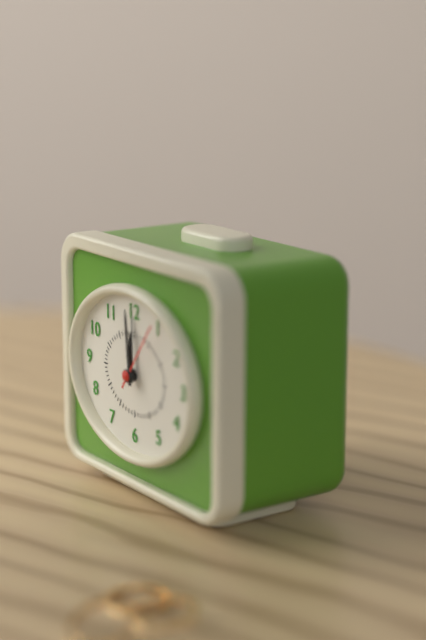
11:59:06
